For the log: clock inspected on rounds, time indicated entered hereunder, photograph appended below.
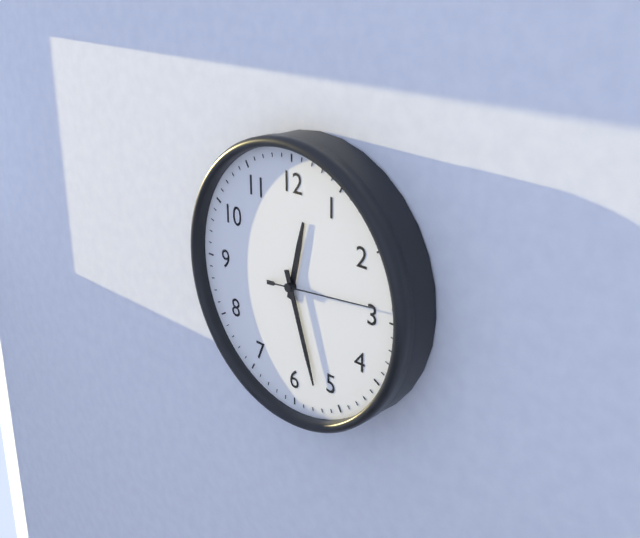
12:27:14
